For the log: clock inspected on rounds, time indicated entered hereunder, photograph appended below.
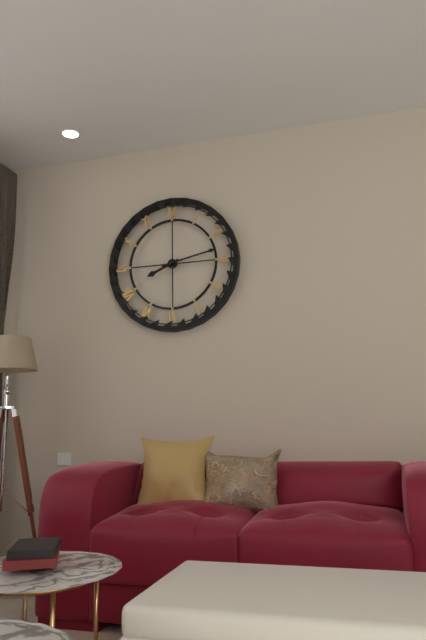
8:13
